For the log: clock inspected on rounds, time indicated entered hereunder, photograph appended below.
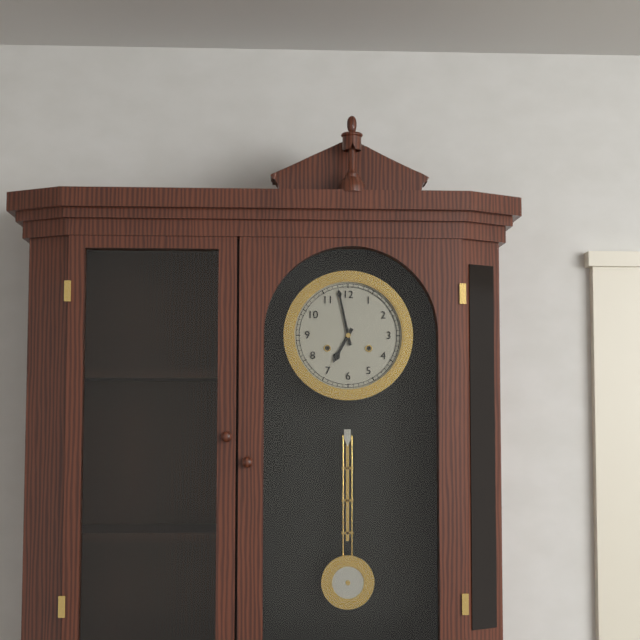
6:58
